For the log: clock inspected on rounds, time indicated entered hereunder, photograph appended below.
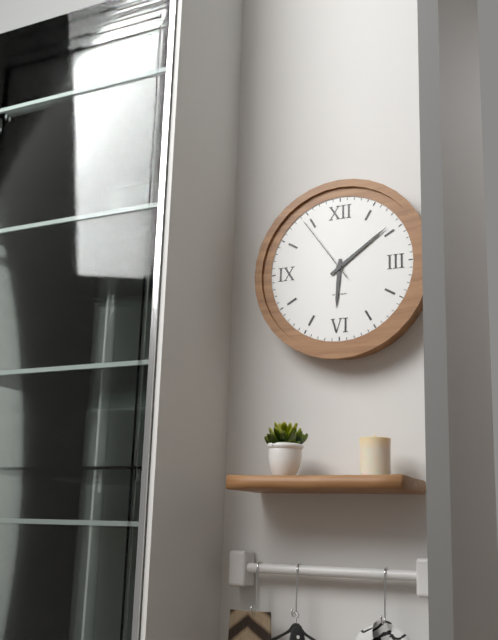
6:09:54
